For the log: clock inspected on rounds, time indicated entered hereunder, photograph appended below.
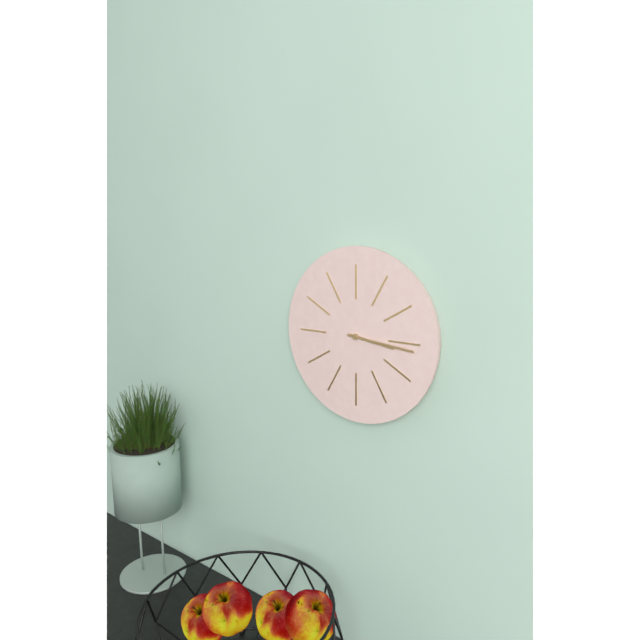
3:16
